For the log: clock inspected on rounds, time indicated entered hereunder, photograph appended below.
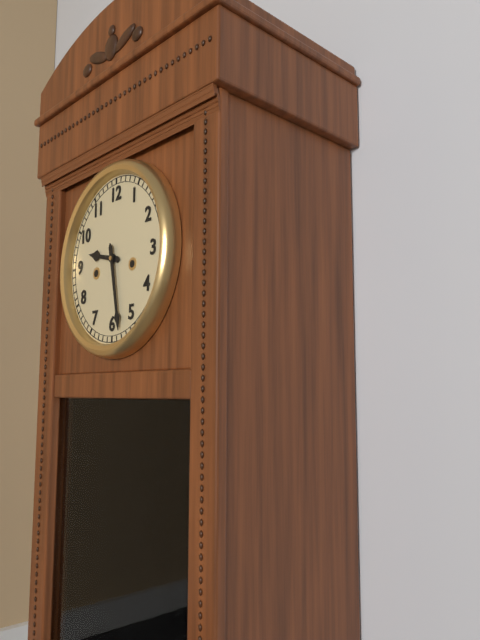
9:28
